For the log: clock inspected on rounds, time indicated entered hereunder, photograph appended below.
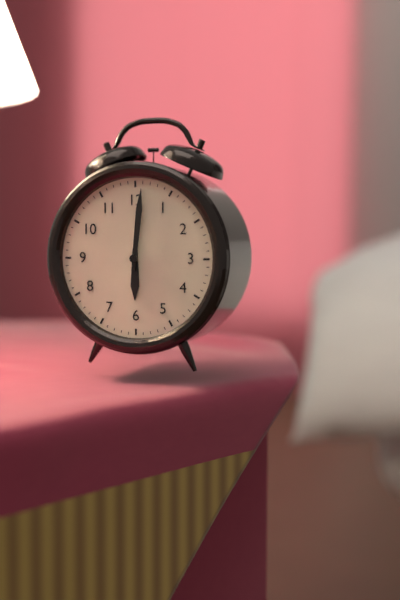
6:01
